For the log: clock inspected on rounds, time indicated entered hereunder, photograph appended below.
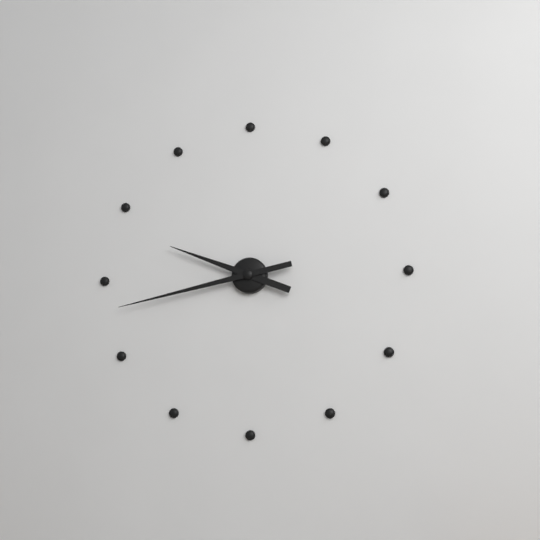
9:43
